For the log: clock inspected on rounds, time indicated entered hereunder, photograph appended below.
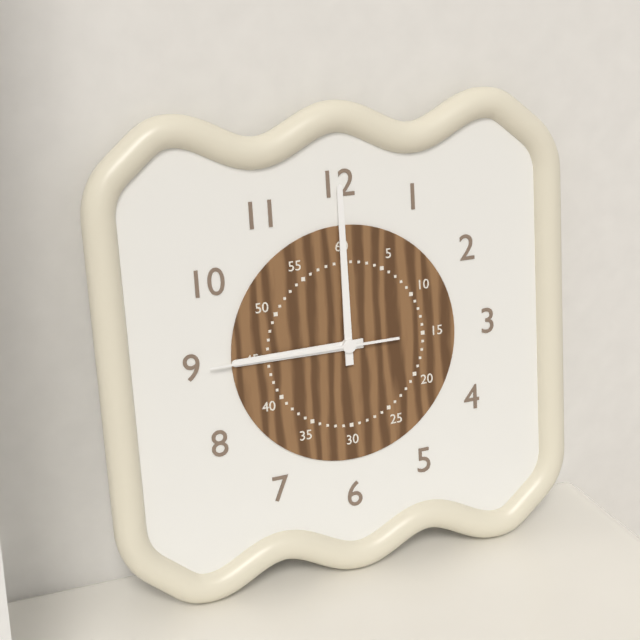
9:00:45
